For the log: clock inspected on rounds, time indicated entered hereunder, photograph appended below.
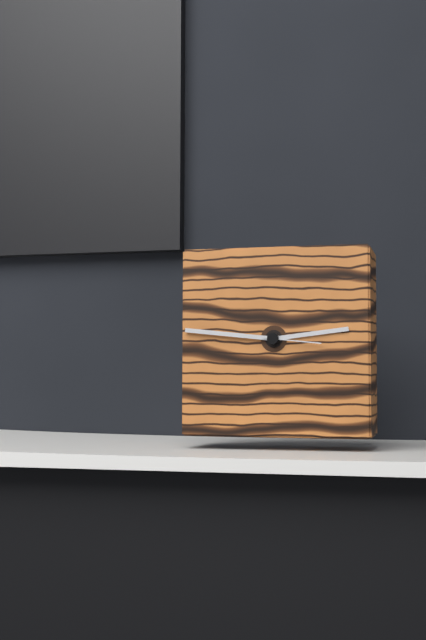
2:46:16
